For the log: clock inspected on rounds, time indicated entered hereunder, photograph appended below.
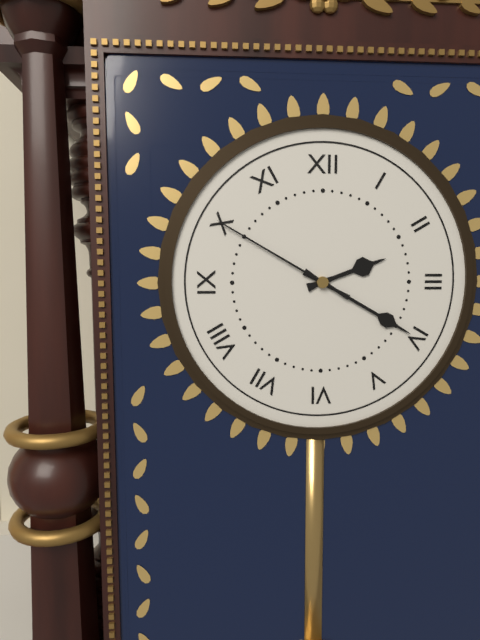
2:20:50
